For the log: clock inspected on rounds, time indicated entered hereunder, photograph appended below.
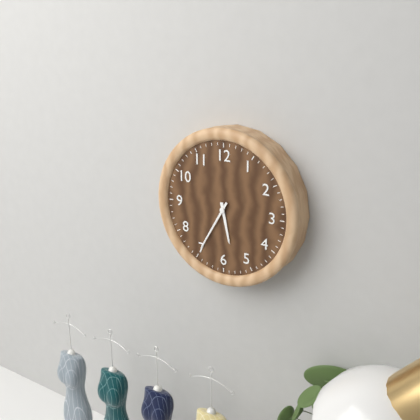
5:35
